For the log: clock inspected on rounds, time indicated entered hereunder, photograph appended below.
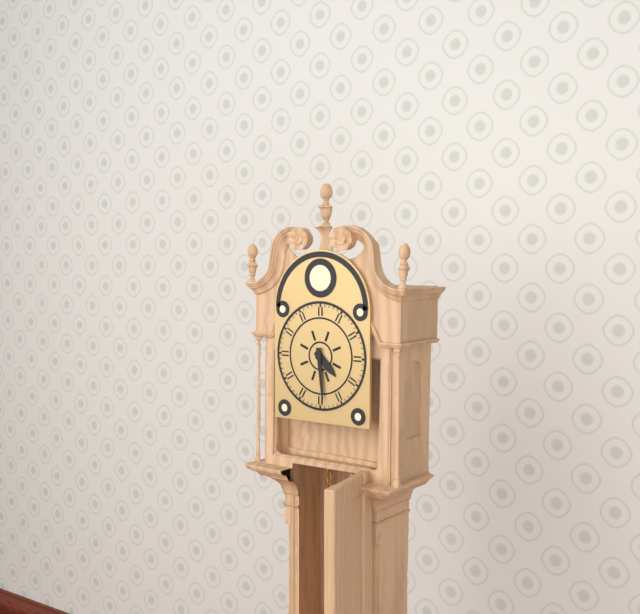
4:29
